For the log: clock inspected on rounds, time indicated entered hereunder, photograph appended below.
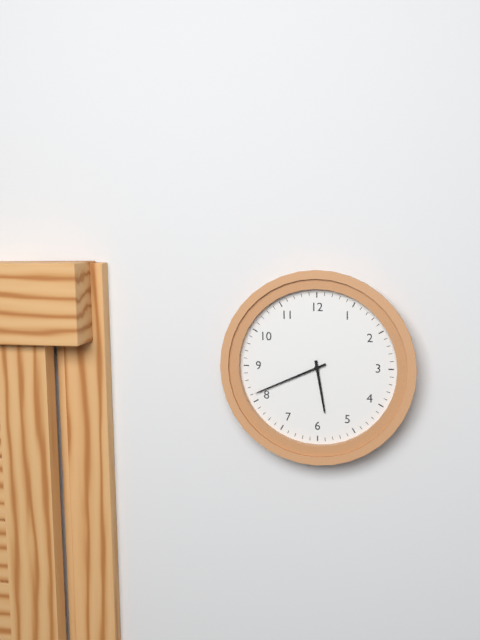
5:41
